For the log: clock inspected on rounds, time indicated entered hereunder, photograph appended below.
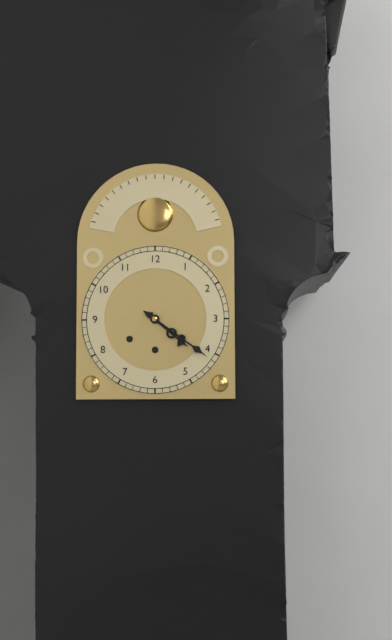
4:21
